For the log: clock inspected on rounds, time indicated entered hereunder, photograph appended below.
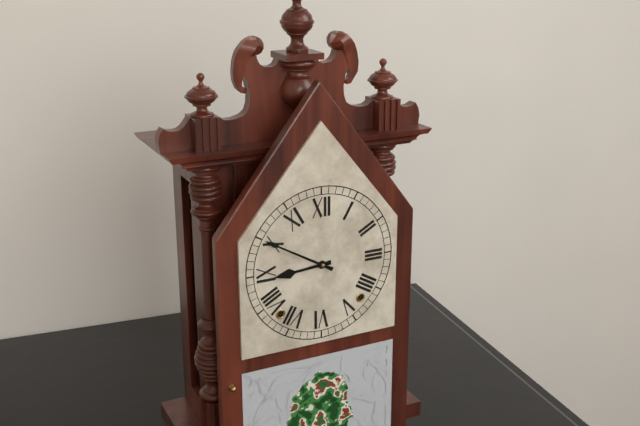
8:50
